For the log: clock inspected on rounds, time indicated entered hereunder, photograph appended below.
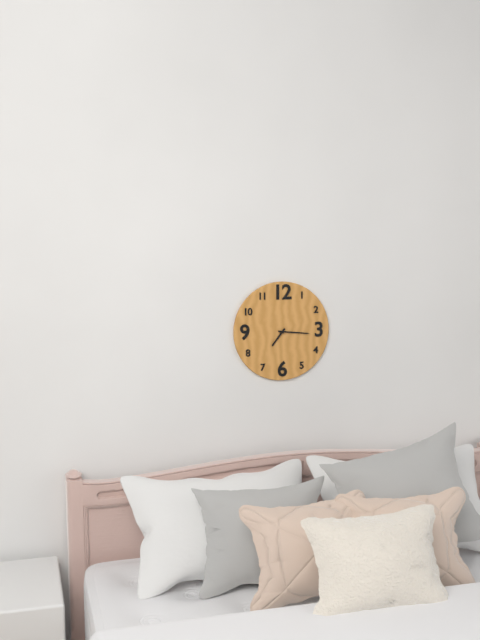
7:16
